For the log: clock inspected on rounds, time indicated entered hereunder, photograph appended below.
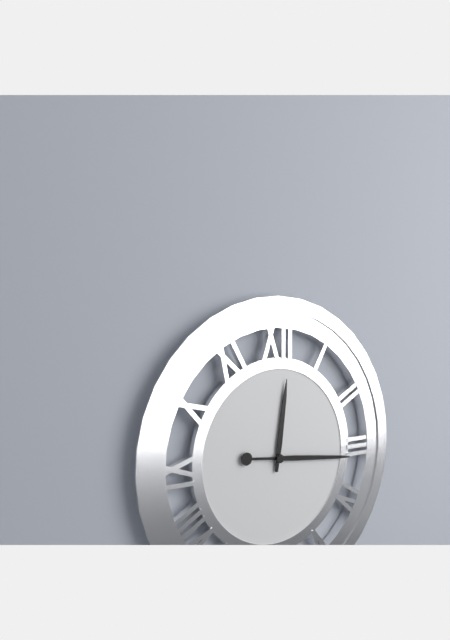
12:16
